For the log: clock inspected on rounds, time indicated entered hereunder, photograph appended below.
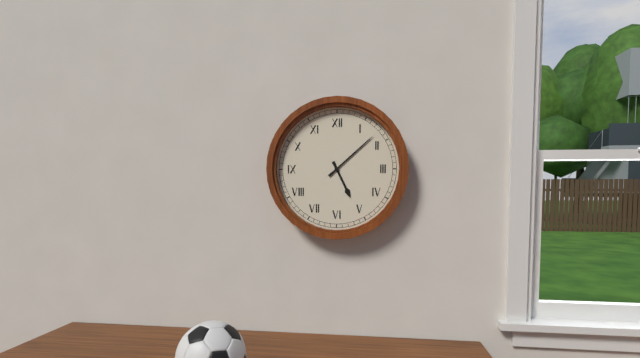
5:08
